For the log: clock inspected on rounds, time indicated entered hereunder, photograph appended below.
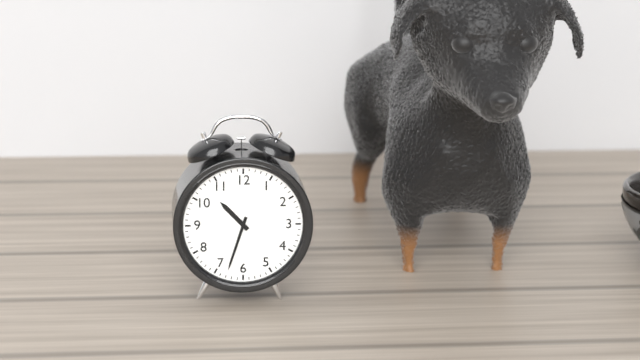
10:33
